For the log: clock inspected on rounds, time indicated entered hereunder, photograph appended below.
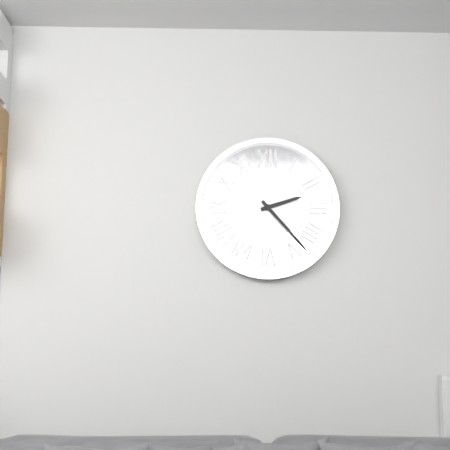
2:23
